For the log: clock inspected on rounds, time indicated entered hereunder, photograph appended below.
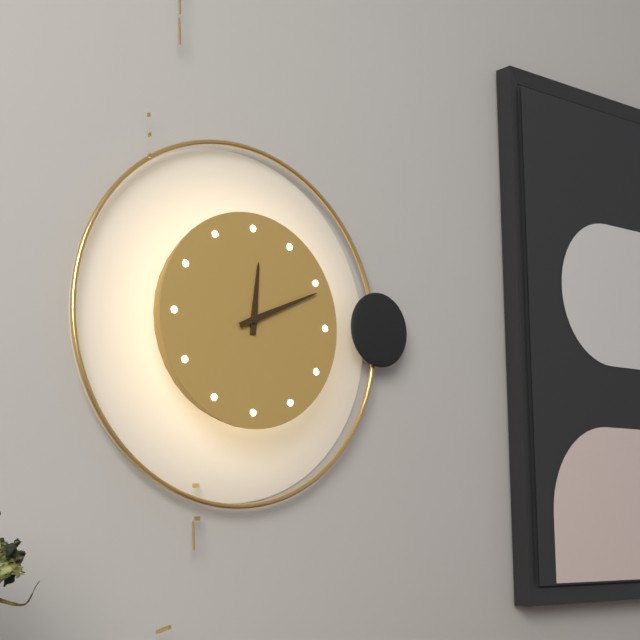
12:11
